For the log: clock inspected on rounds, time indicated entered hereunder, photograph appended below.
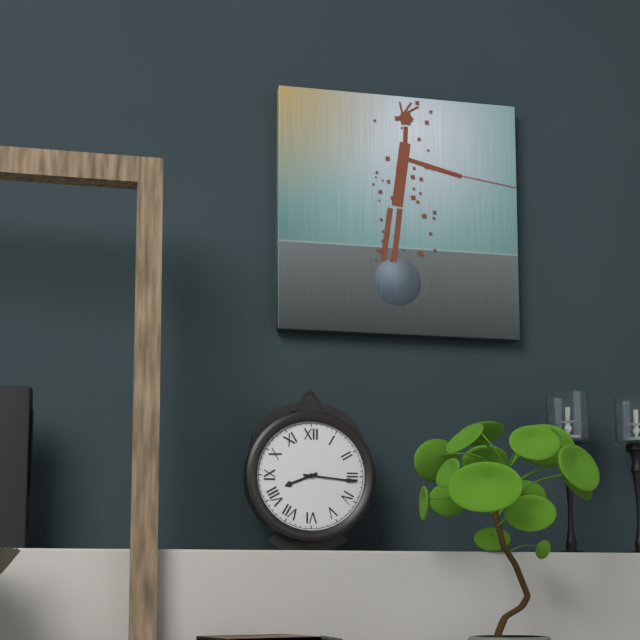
8:16
